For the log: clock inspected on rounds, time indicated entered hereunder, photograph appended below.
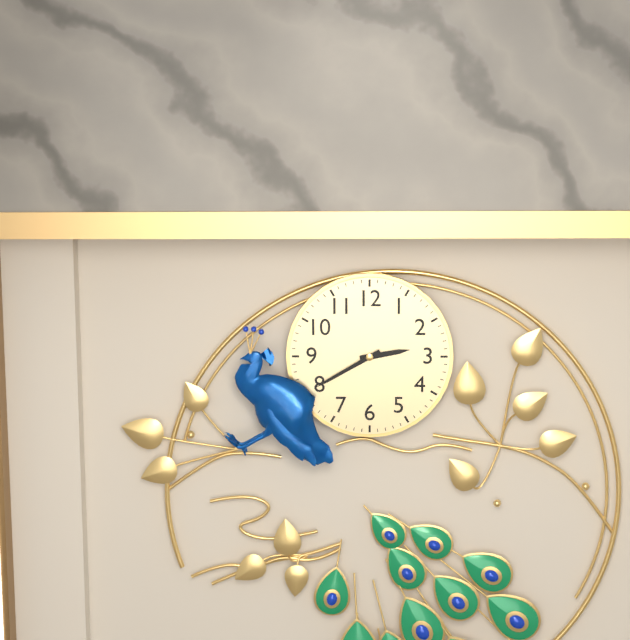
2:40
